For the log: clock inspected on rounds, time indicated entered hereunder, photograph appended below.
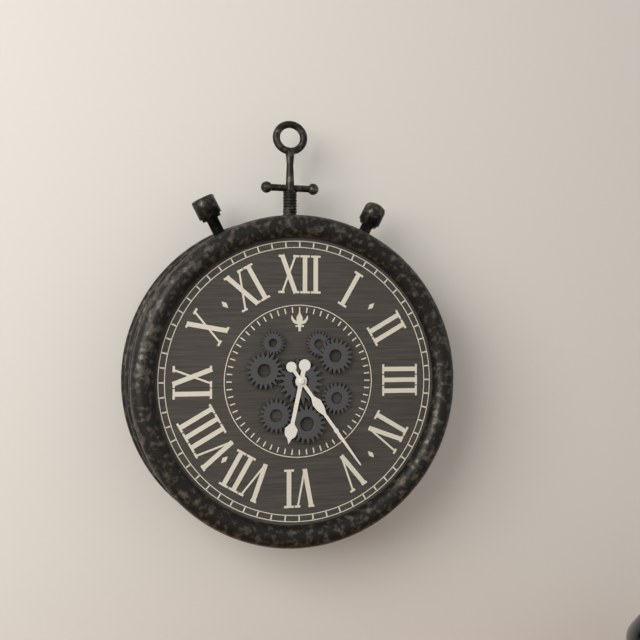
6:24
